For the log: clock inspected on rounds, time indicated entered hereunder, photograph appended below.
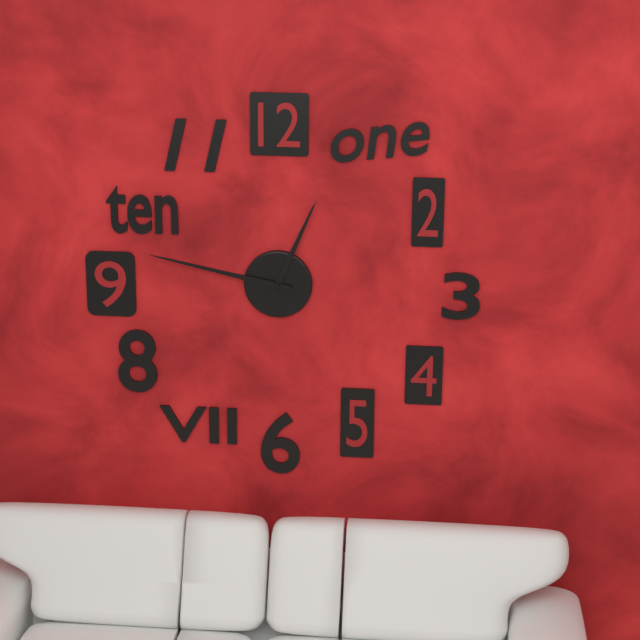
12:47
